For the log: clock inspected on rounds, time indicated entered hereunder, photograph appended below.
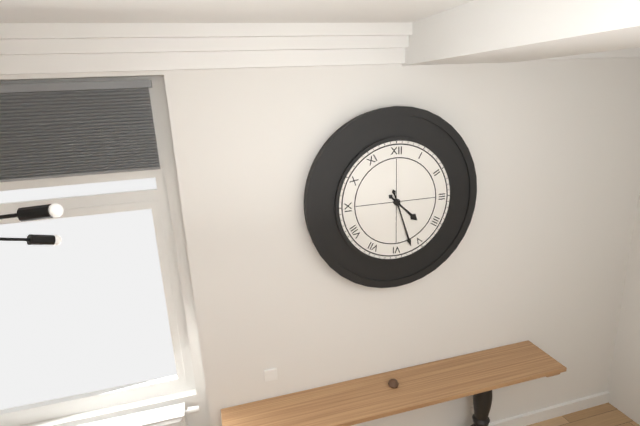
4:27
